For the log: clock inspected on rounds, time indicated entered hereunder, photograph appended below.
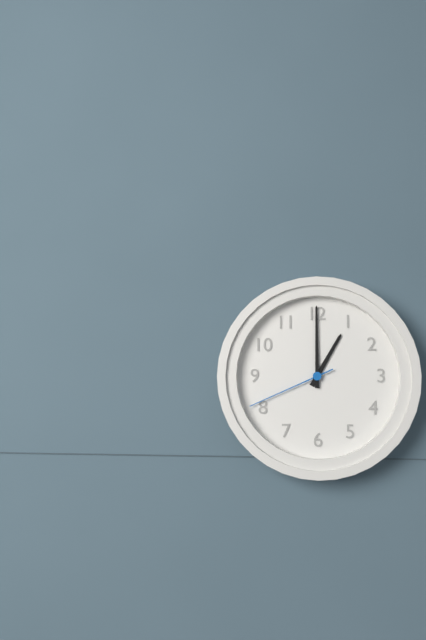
1:00:41
